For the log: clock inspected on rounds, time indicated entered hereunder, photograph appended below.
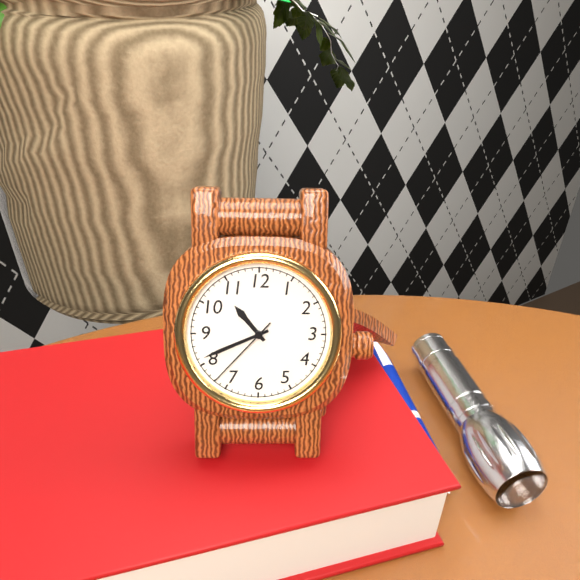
10:41:37
